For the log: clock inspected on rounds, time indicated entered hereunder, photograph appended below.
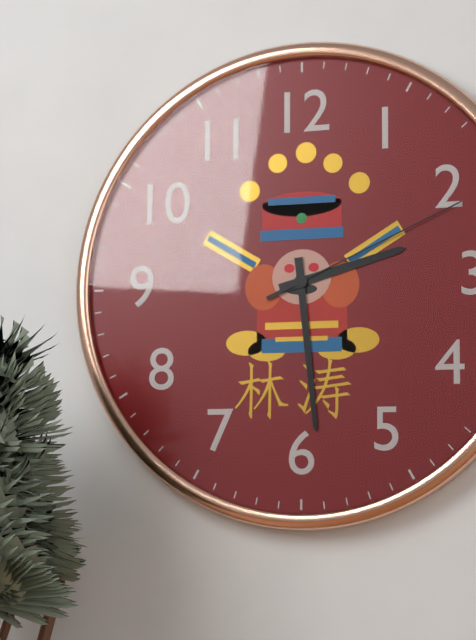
2:29:11
